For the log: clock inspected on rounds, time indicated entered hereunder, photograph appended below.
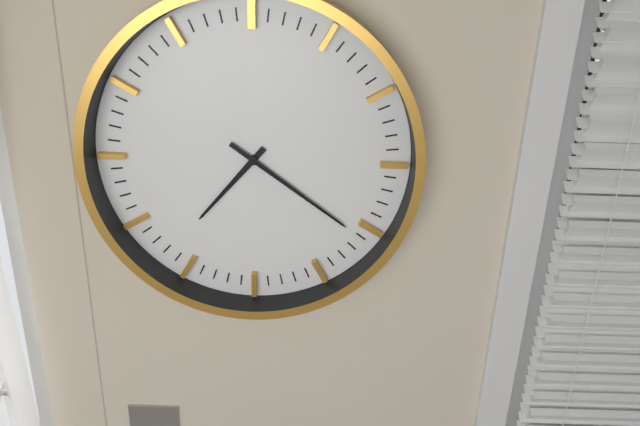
7:21
